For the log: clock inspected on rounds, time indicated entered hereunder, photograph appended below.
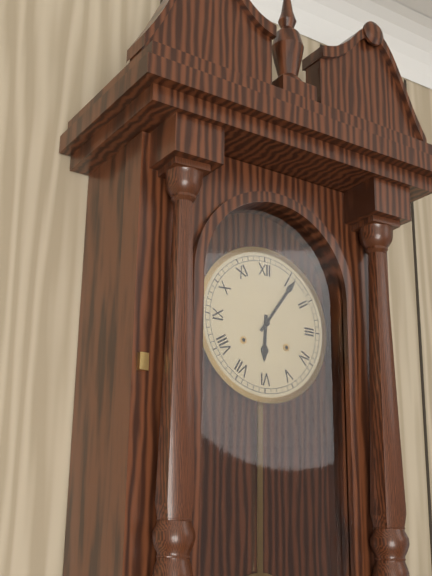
6:06
